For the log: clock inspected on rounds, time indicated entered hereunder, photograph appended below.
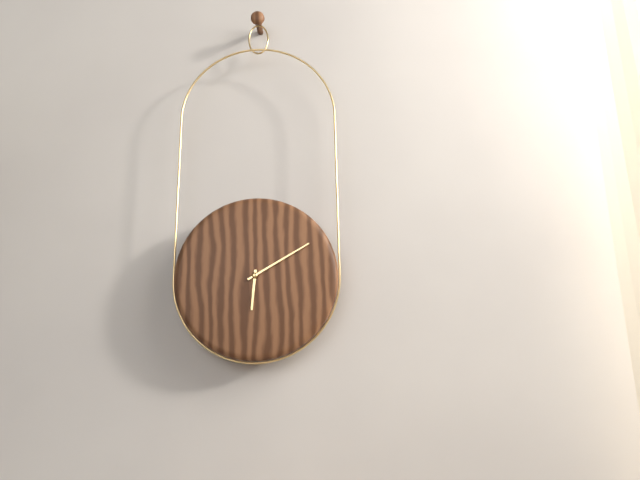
6:10
